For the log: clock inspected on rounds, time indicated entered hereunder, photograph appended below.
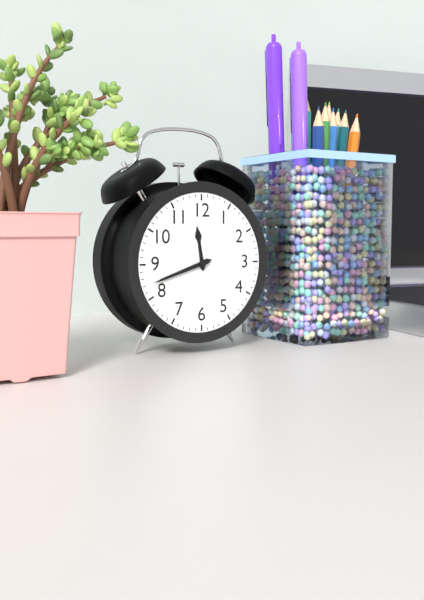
11:42
